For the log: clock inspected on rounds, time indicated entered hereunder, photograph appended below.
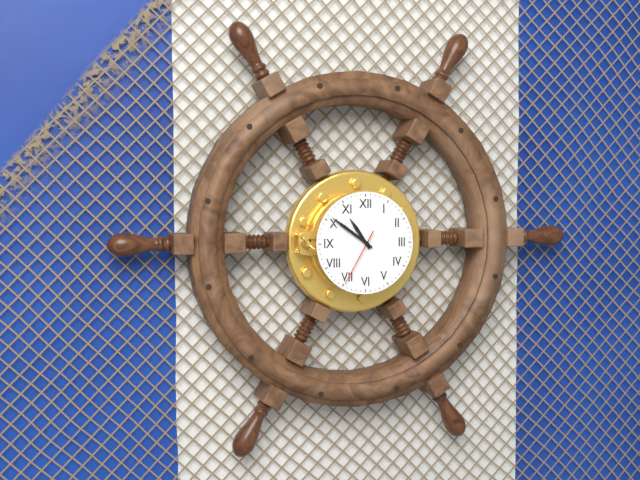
10:51:35
